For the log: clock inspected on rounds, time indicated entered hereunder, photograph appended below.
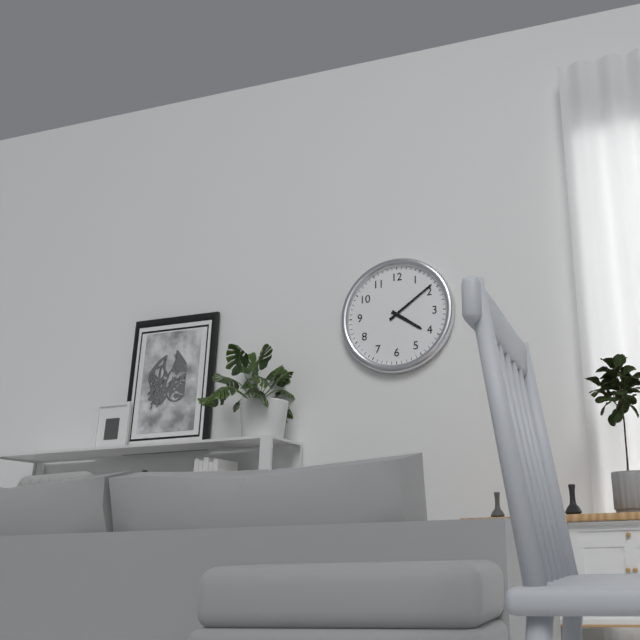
4:09
